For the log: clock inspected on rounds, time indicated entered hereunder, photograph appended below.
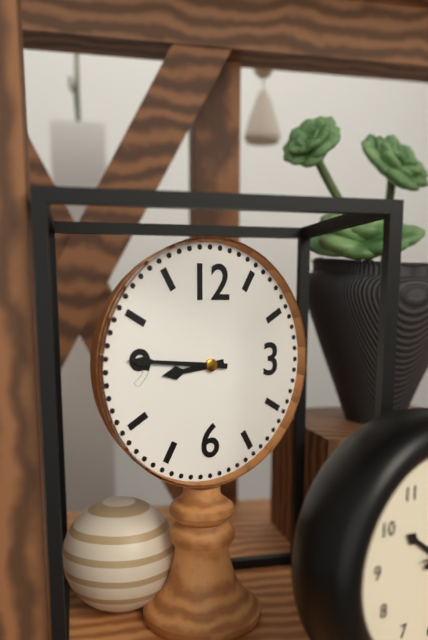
8:46
